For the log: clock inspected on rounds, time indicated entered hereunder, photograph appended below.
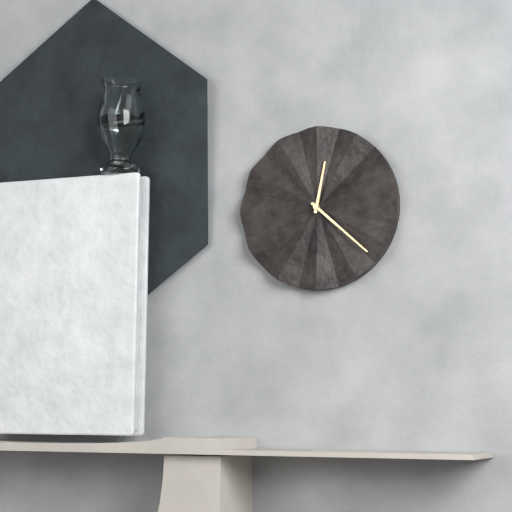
12:22
